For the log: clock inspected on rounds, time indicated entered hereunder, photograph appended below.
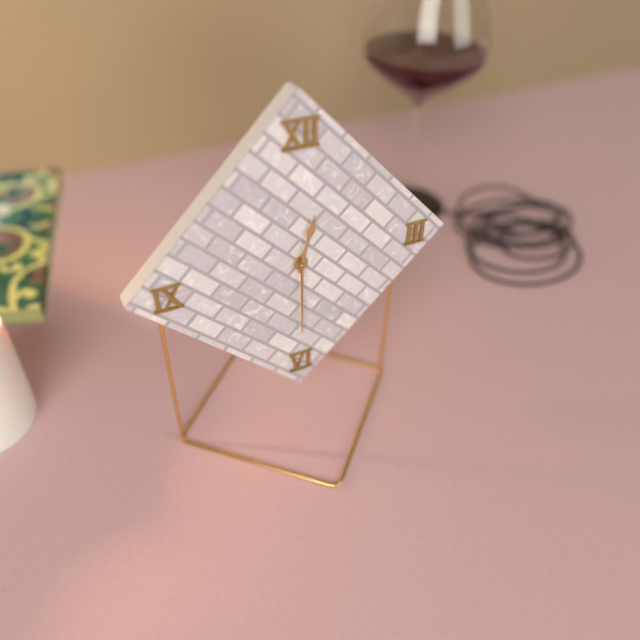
12:30:30
